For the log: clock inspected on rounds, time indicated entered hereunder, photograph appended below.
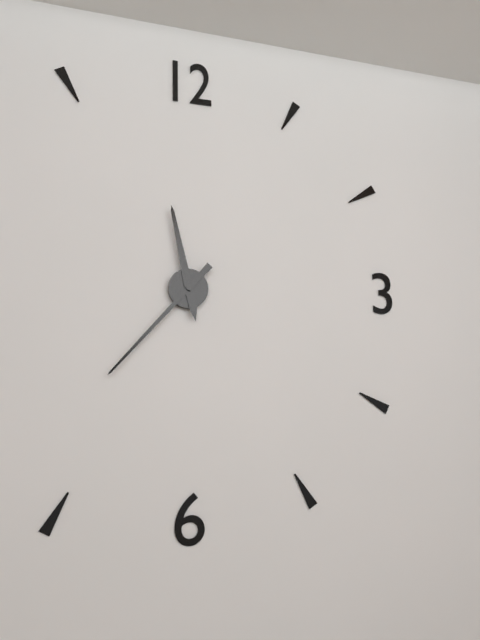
11:37
